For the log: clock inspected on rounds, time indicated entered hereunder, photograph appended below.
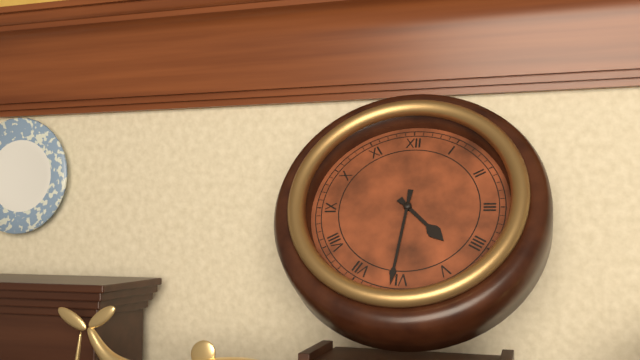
4:31
